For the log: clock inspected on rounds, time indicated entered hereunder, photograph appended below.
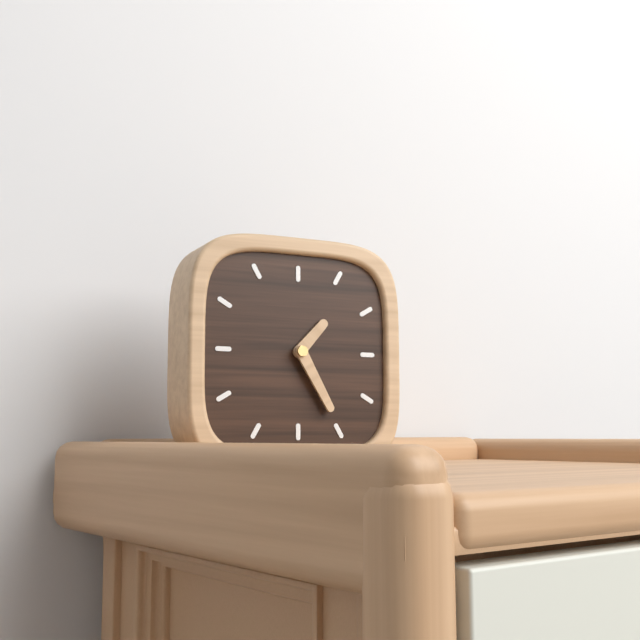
1:25
